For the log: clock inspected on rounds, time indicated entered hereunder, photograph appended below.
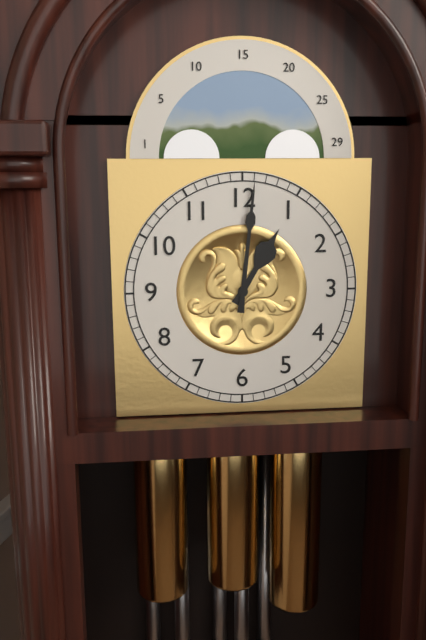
1:01
